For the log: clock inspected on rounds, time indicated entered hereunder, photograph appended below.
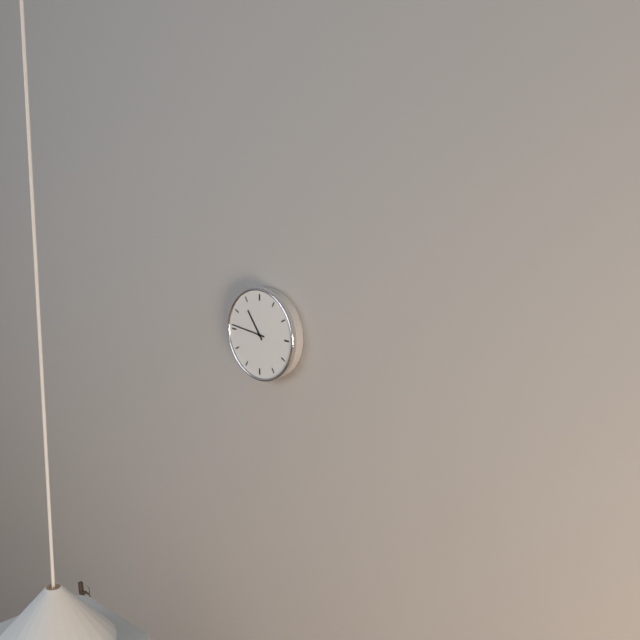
10:46
